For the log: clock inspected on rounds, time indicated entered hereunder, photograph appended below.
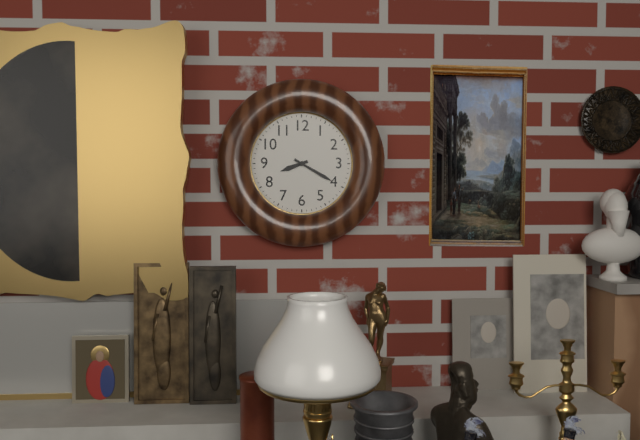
8:20
